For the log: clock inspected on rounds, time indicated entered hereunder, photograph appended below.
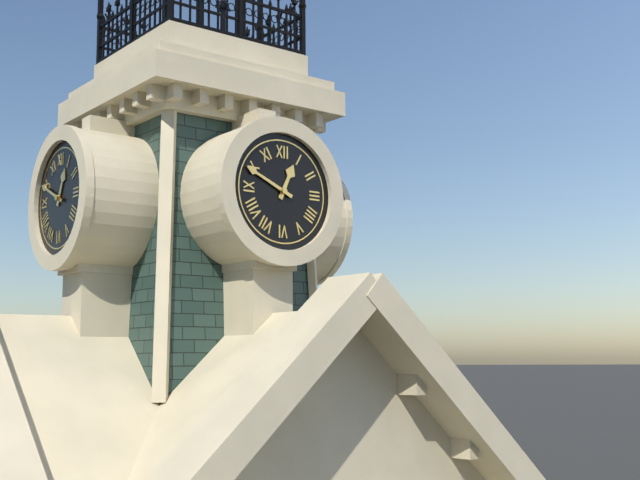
12:49
